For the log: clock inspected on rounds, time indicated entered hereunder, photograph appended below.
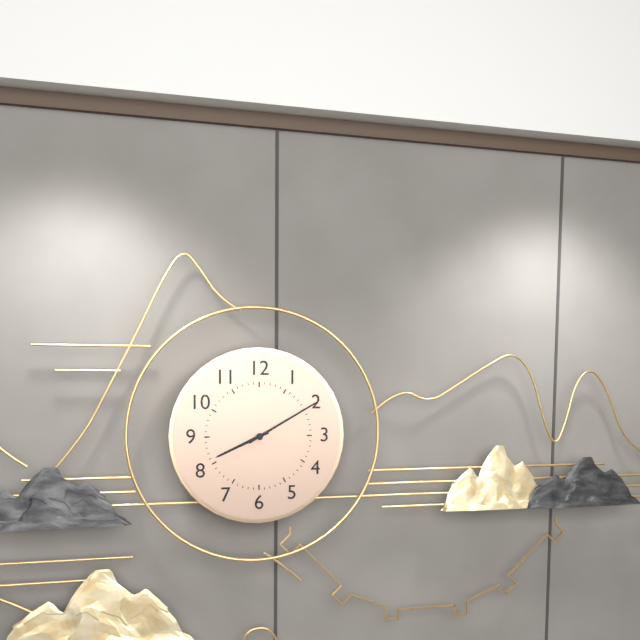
8:10
